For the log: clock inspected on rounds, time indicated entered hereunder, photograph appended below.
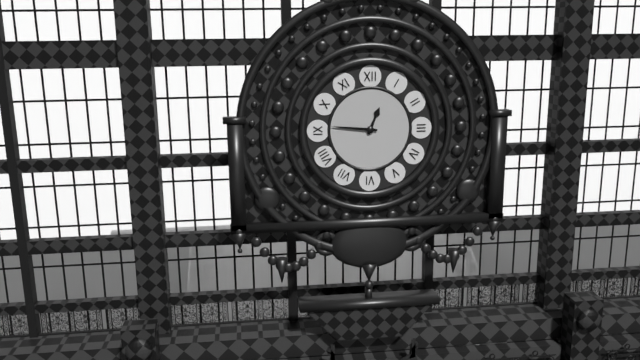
12:46
